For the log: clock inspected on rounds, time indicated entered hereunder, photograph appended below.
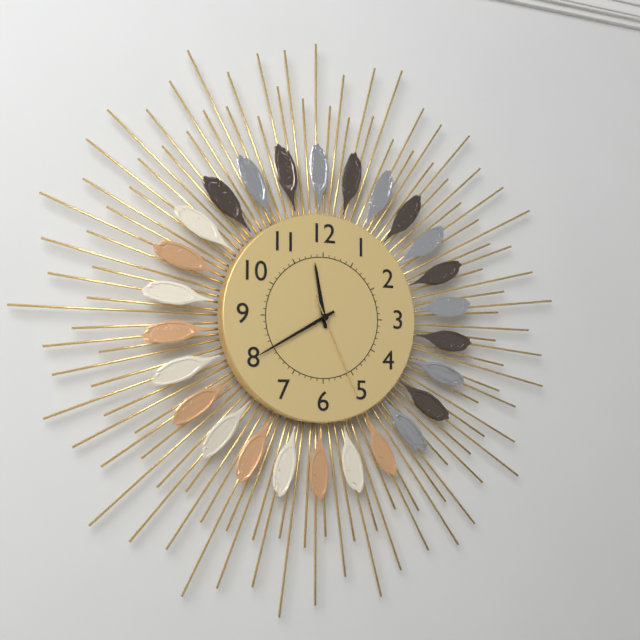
11:40:26
